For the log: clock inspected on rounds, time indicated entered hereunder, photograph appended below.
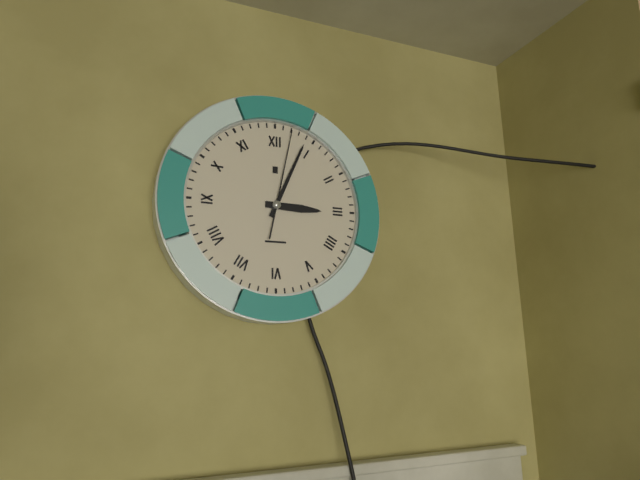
3:04:02
